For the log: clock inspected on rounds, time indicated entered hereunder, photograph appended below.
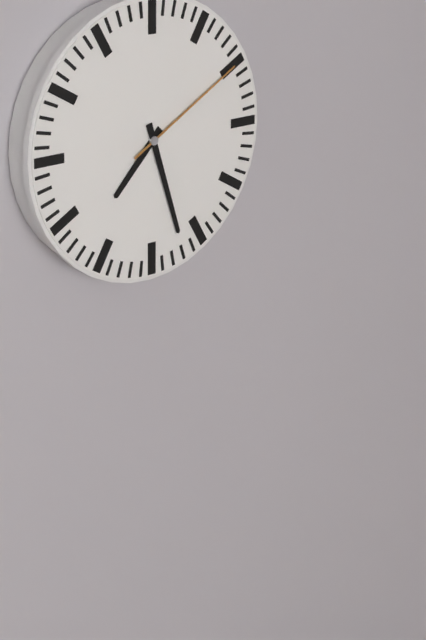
7:27:10
